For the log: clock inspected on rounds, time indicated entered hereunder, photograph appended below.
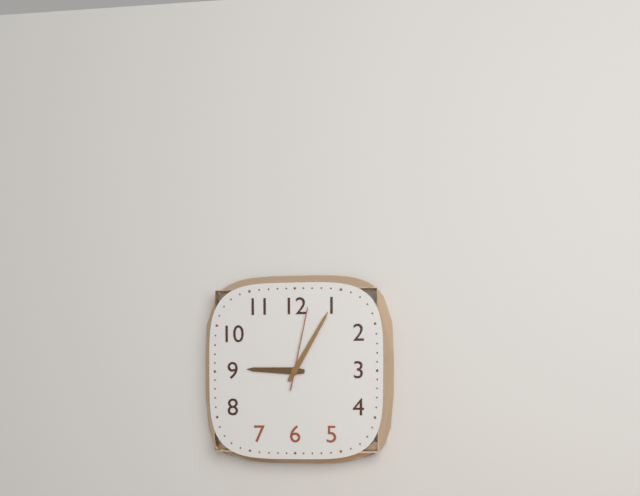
9:05:02
